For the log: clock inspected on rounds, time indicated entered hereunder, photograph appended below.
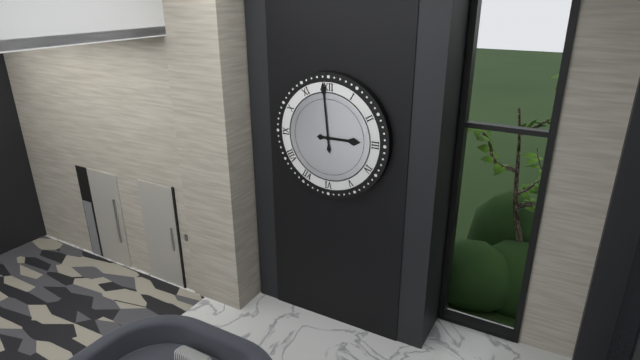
2:59
